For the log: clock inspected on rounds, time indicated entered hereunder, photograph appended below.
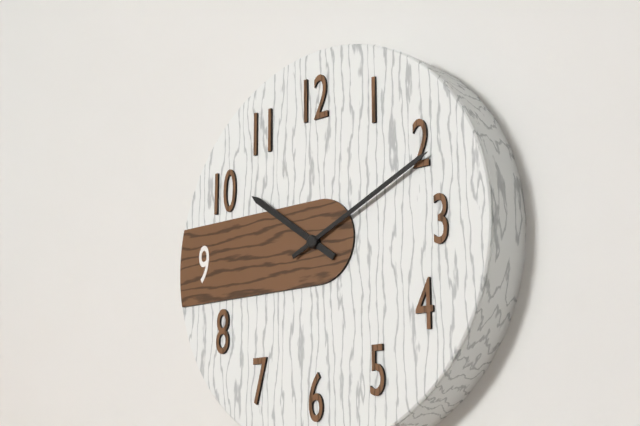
10:11
